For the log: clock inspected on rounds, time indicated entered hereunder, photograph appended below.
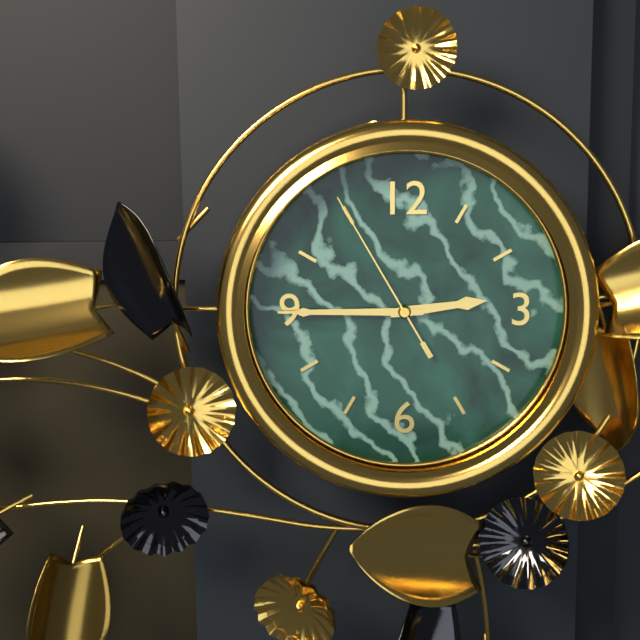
2:45:55
